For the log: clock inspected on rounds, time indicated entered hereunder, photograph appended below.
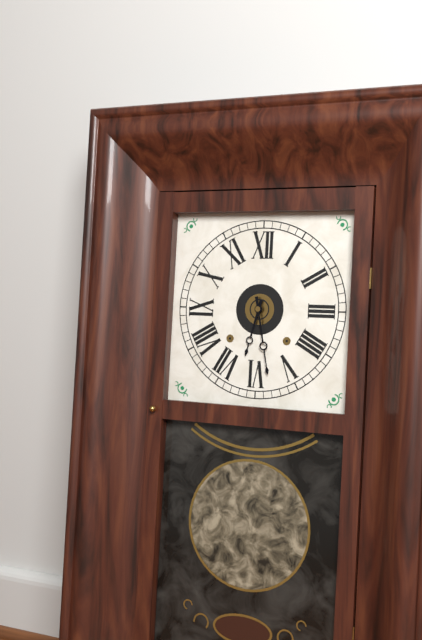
6:28
